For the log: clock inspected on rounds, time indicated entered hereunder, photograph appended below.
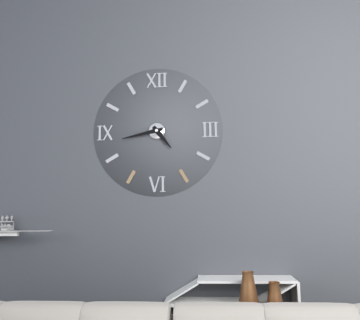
4:43
